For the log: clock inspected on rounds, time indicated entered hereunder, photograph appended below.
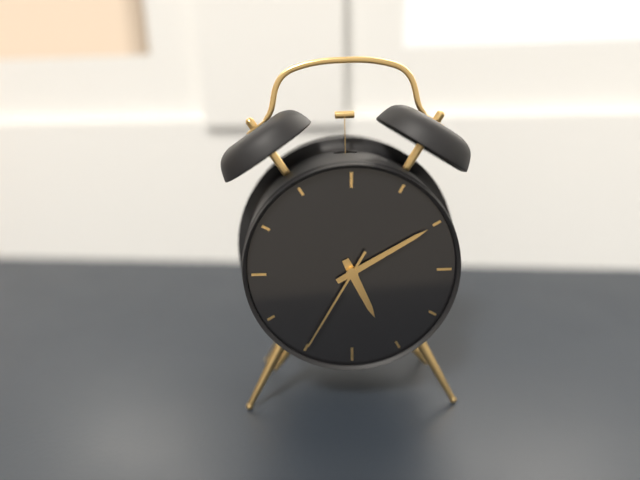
5:10:35
